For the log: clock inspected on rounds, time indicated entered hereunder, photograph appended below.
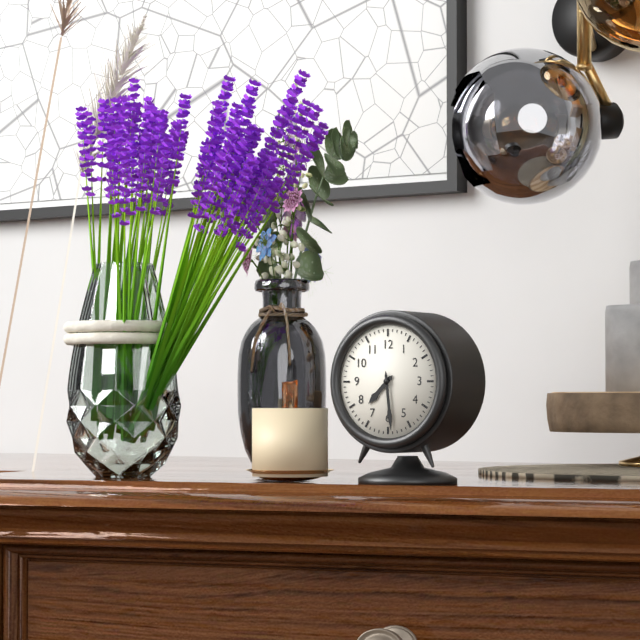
7:29
